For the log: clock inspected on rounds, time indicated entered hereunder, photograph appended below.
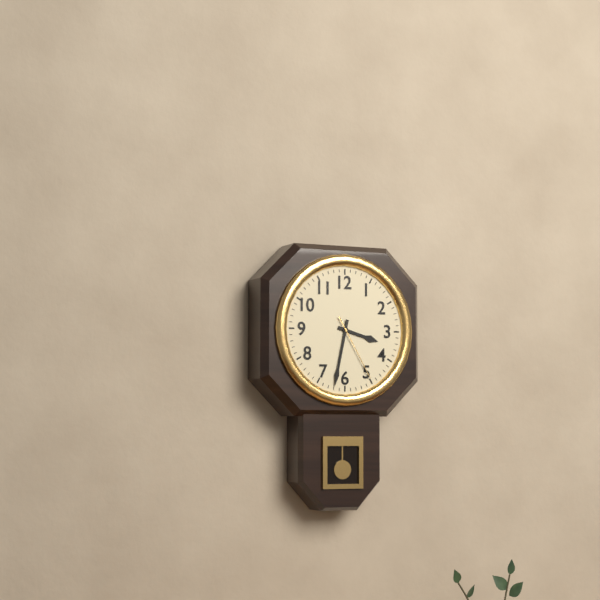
3:32:25
